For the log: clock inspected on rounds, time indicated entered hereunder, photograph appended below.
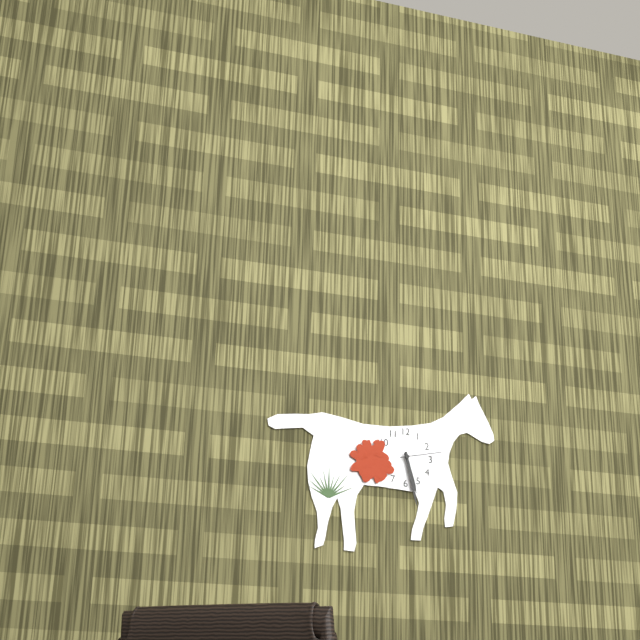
5:28
